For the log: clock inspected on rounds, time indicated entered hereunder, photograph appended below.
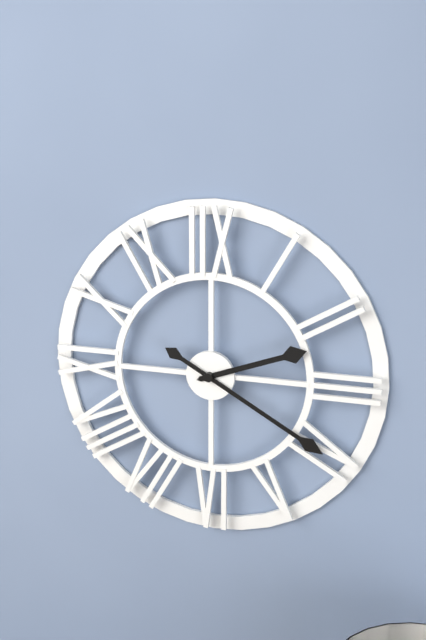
2:20
